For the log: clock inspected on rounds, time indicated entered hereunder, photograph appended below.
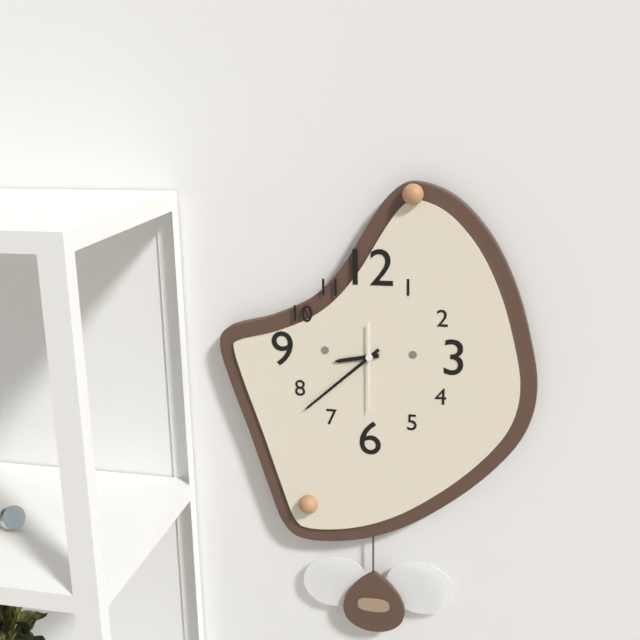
8:38:30
